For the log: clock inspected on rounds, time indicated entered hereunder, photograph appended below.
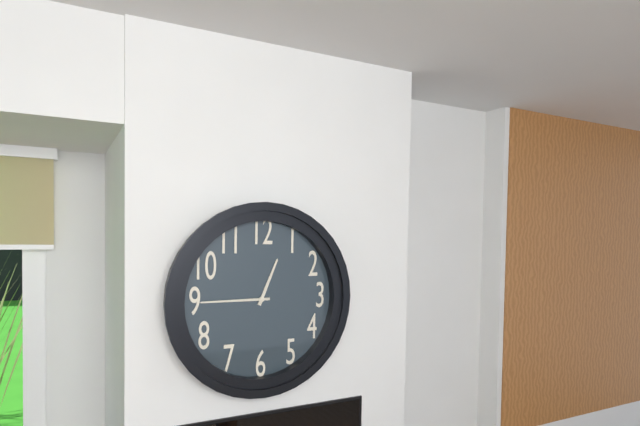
12:45
